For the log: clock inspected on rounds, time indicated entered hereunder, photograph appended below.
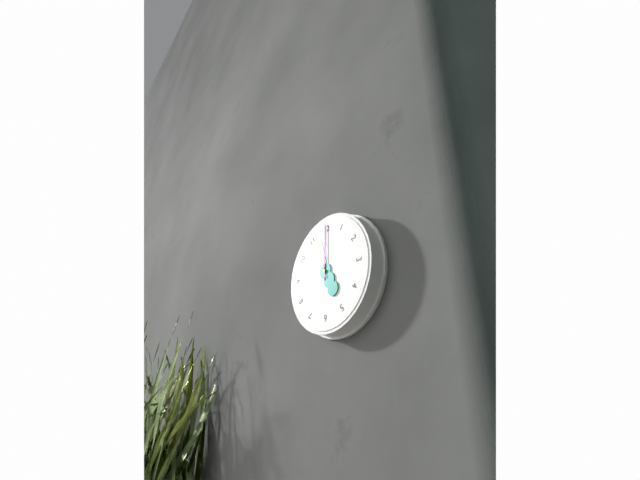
5:00:57
